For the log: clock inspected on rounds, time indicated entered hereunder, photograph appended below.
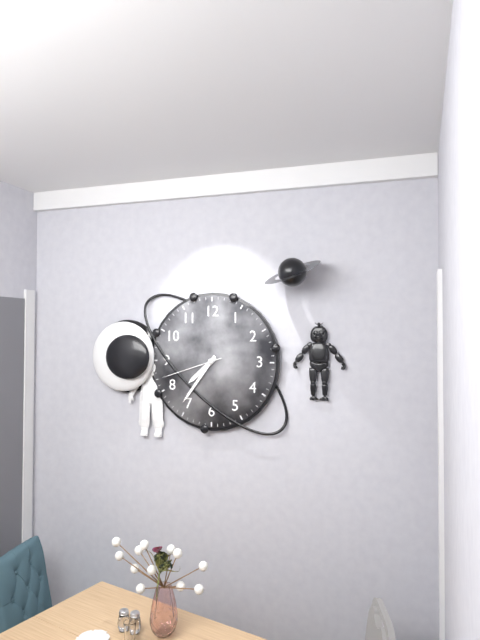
7:36:42
